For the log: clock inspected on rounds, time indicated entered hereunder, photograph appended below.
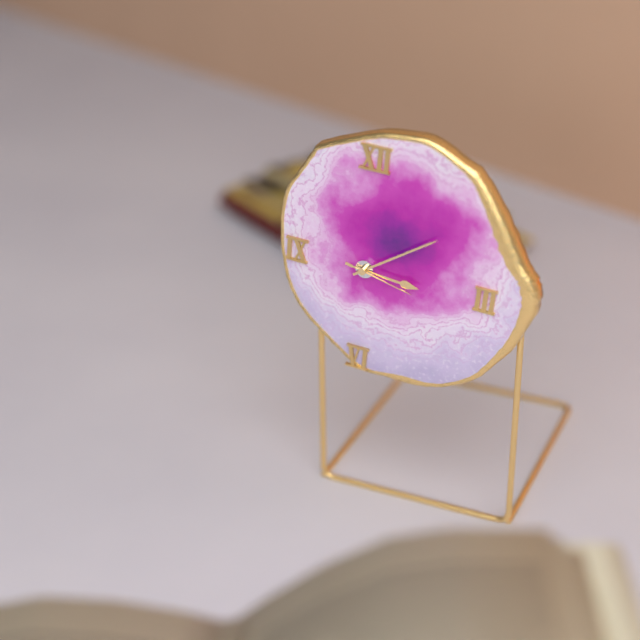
3:09:17
